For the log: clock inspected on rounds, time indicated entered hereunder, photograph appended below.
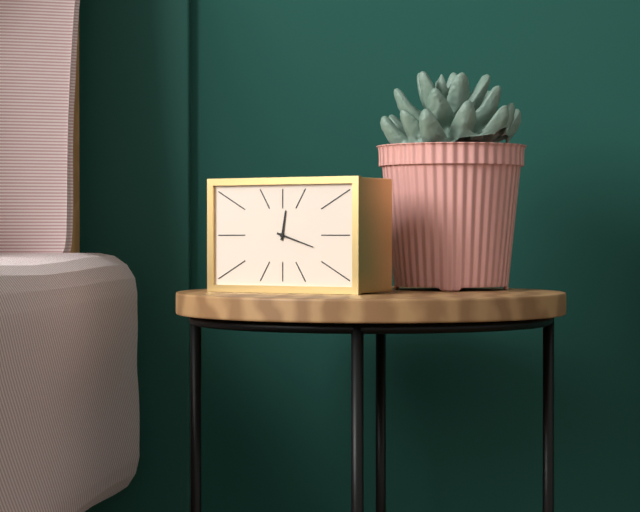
12:18
